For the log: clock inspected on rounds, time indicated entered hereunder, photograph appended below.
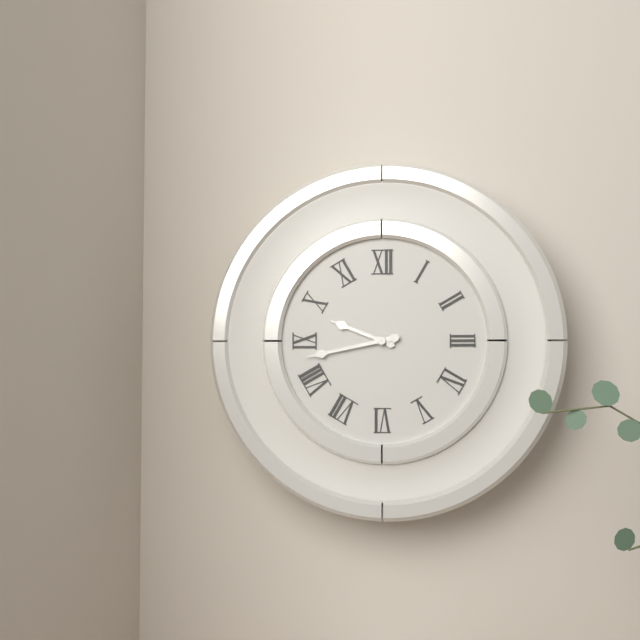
9:43
